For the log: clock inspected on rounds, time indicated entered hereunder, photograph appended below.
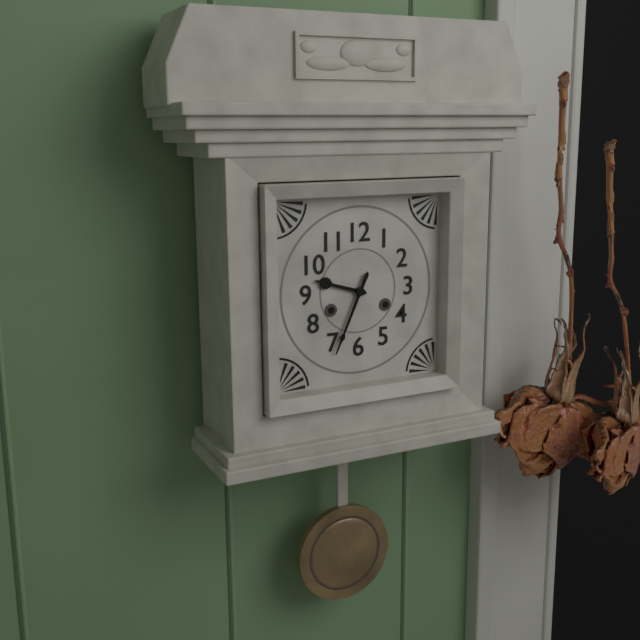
9:34
